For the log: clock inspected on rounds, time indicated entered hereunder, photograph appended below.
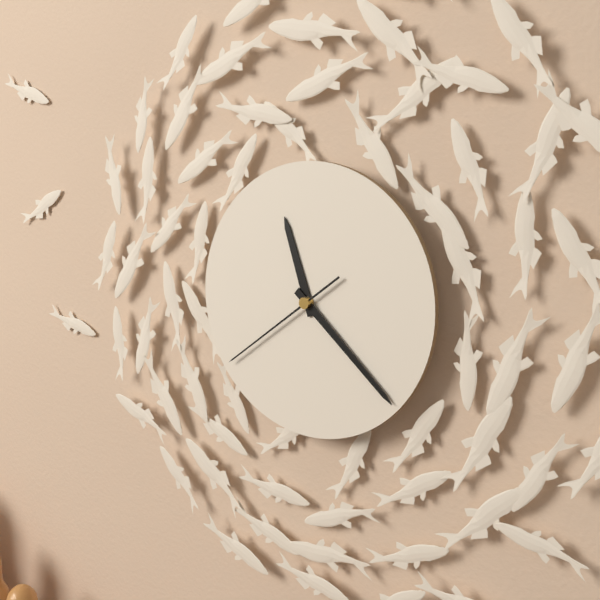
11:22:39
